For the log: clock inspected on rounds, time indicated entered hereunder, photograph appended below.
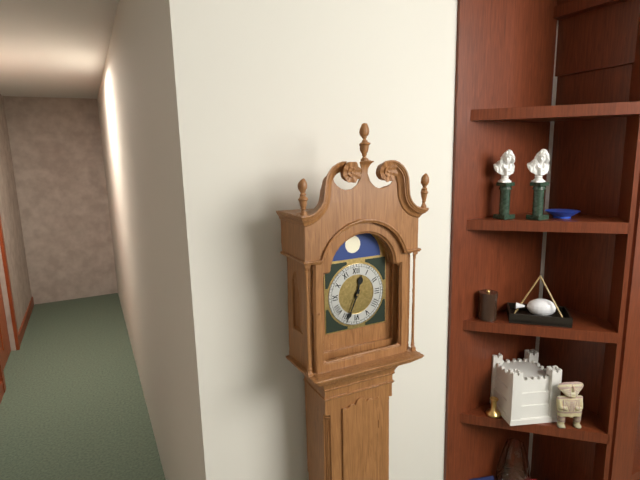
12:34
